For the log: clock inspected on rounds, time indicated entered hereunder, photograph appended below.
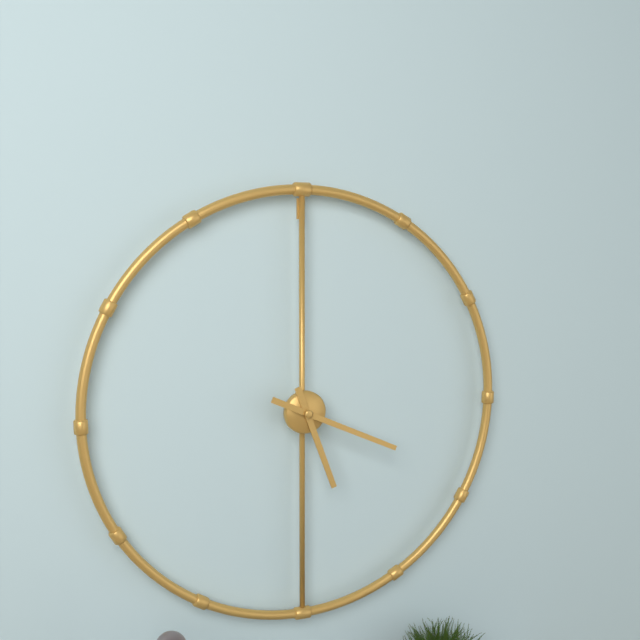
5:19
